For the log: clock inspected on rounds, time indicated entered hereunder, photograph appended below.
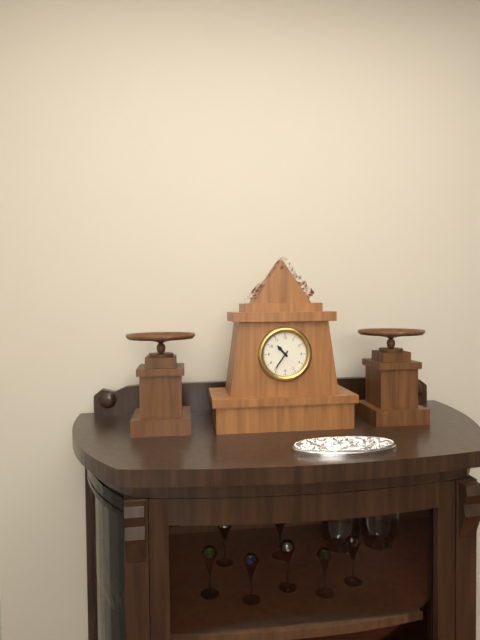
10:36
